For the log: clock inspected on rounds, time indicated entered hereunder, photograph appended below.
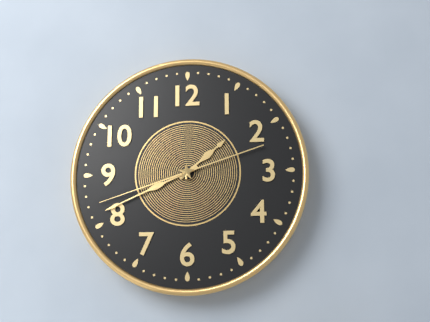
1:41:42
